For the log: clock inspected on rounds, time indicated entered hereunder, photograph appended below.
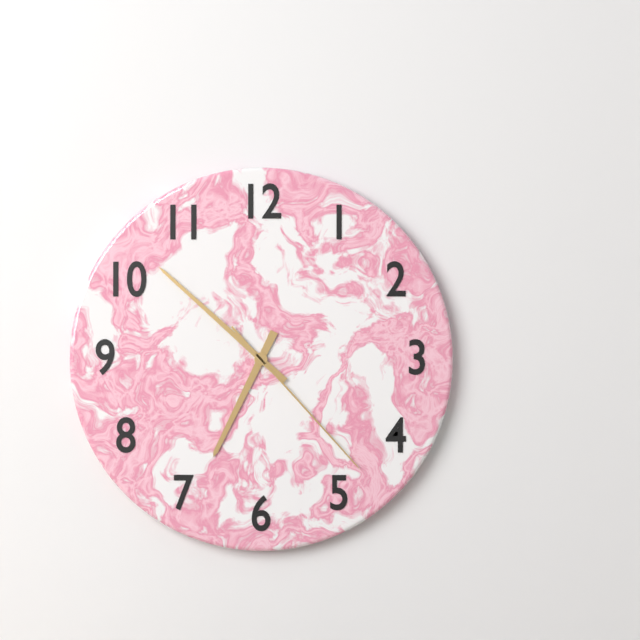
6:52:23
